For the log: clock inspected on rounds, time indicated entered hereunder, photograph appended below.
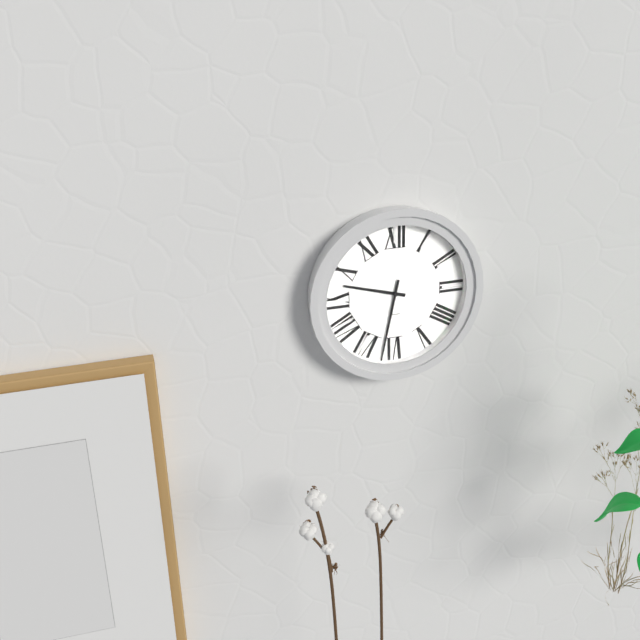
9:32
